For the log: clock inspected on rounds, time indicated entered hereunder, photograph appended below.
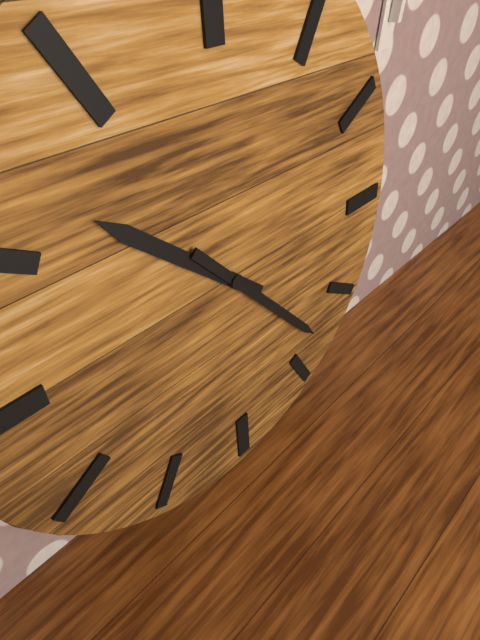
10:23
